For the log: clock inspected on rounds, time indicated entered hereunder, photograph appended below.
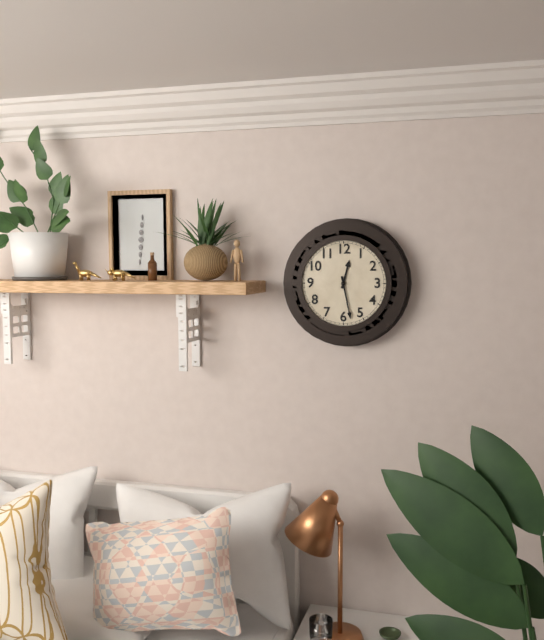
12:28
